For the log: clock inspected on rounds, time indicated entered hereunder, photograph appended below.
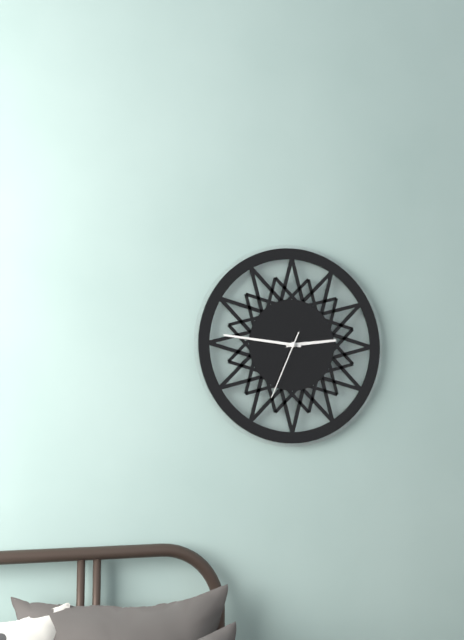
2:46:34
